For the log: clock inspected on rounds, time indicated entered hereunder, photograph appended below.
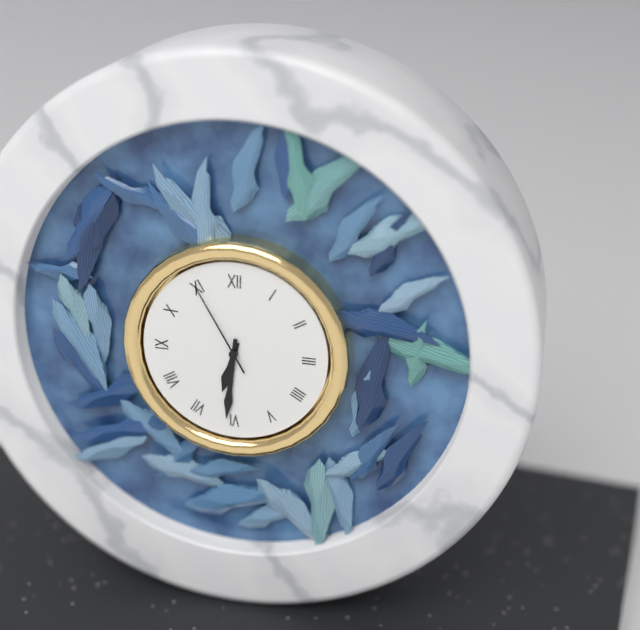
6:31:55
